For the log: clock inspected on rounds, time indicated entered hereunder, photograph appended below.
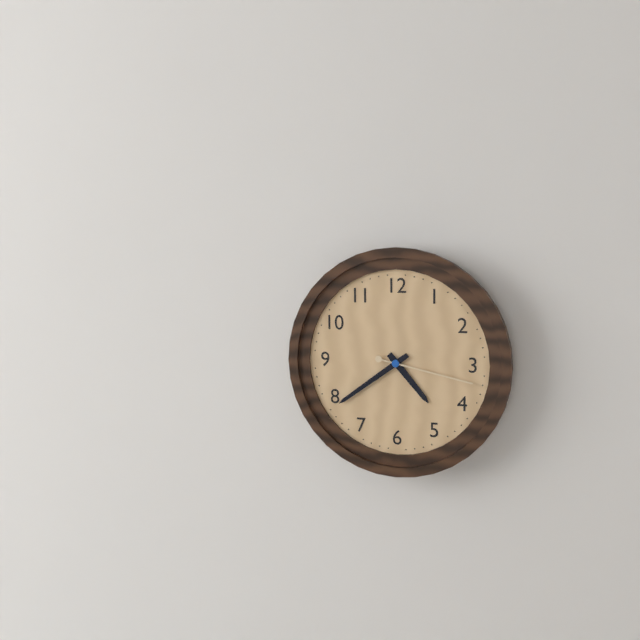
4:39:17
